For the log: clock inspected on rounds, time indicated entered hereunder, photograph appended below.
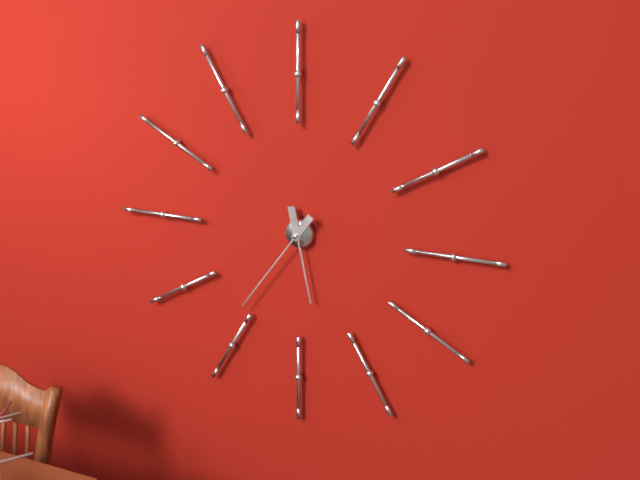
5:36
